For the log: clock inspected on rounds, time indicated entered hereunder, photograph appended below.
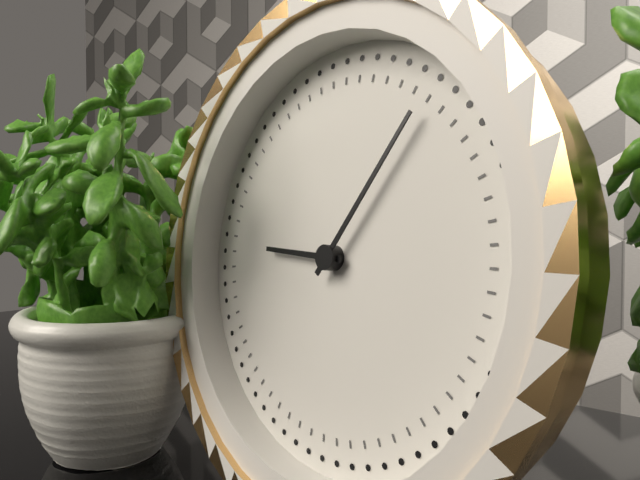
9:06
